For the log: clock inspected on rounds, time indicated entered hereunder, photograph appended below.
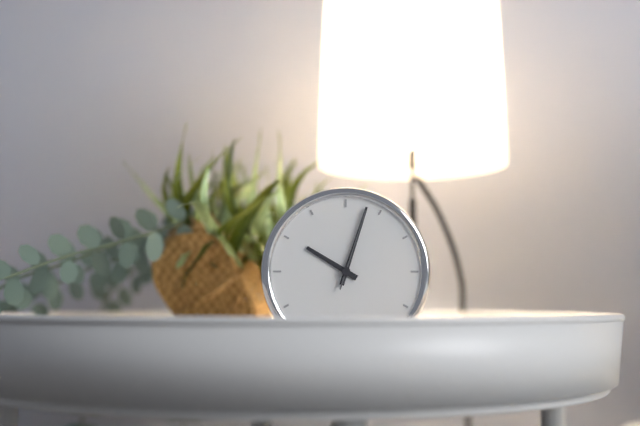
10:03:03
